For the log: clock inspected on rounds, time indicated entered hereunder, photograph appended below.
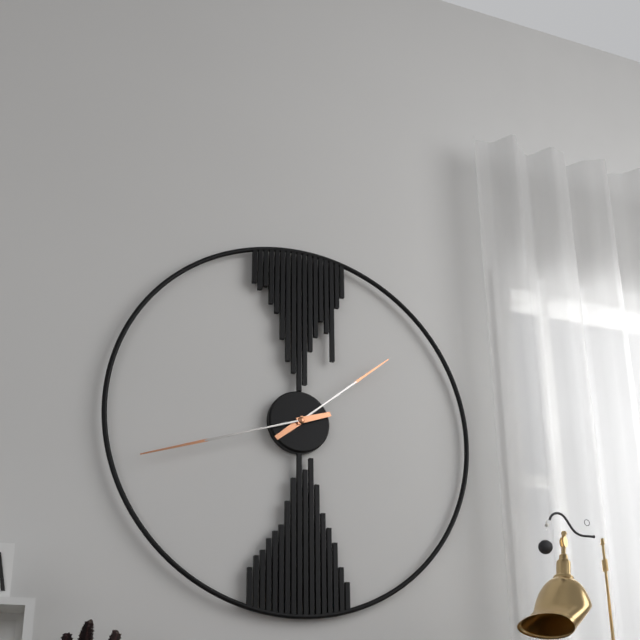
1:42
